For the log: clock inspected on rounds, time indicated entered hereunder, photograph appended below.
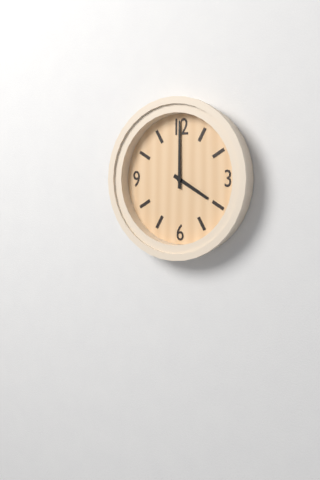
4:00
